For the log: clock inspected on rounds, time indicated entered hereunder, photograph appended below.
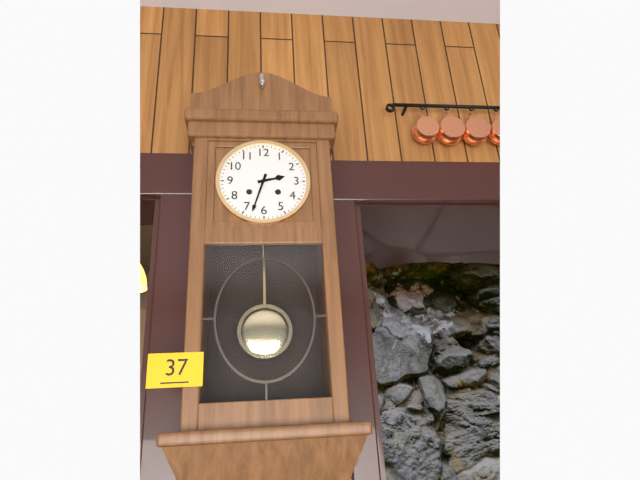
2:33
